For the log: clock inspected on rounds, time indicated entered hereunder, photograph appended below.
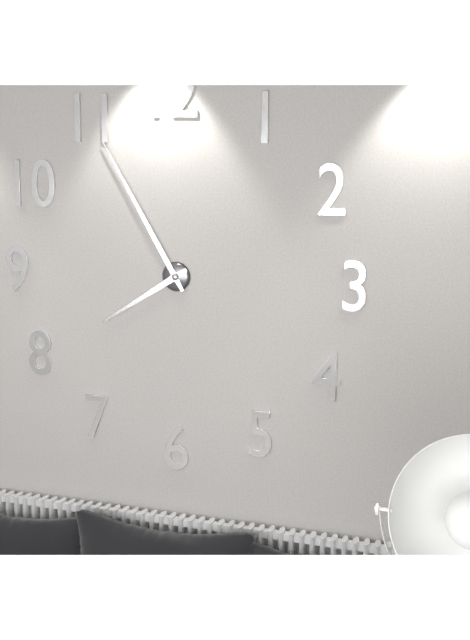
7:55
